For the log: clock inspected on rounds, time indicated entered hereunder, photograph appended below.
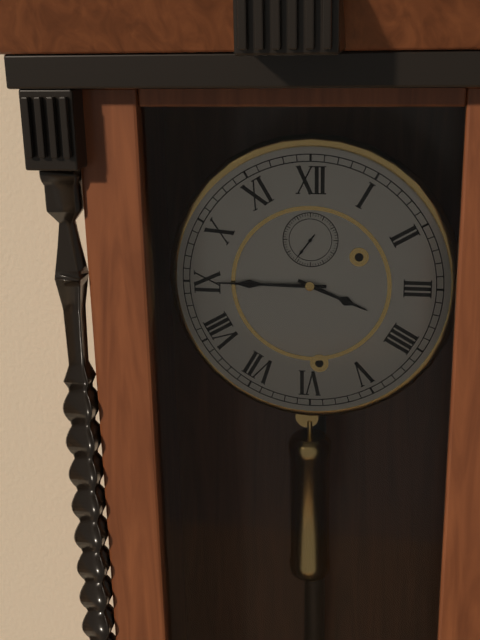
3:45
